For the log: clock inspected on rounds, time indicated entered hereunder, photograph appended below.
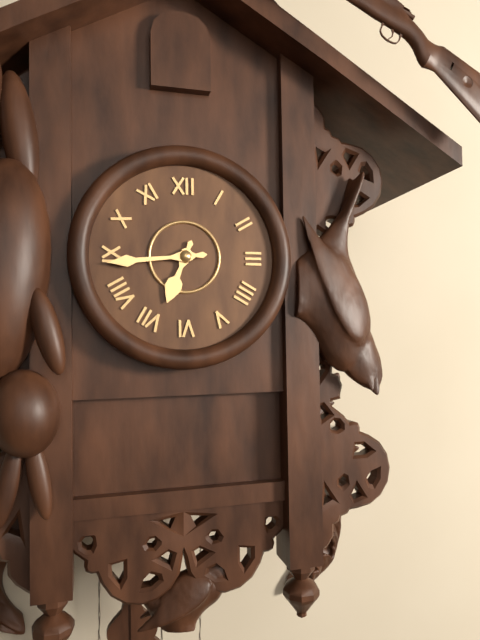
6:44
